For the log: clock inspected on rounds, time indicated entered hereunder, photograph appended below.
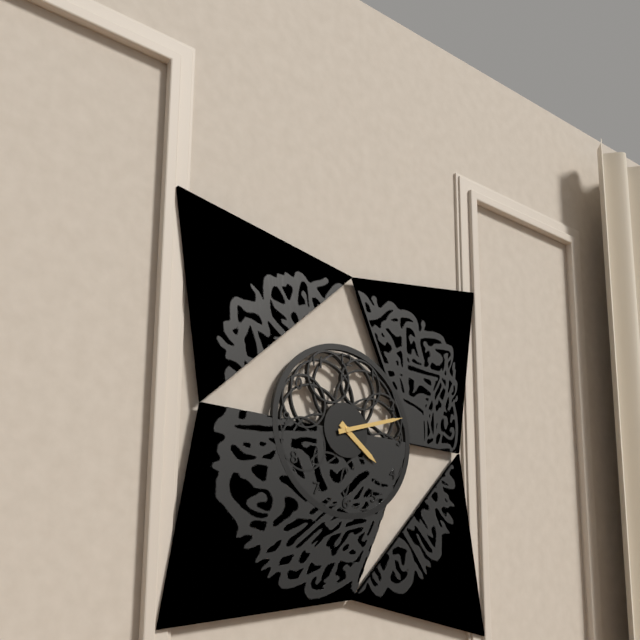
4:12
